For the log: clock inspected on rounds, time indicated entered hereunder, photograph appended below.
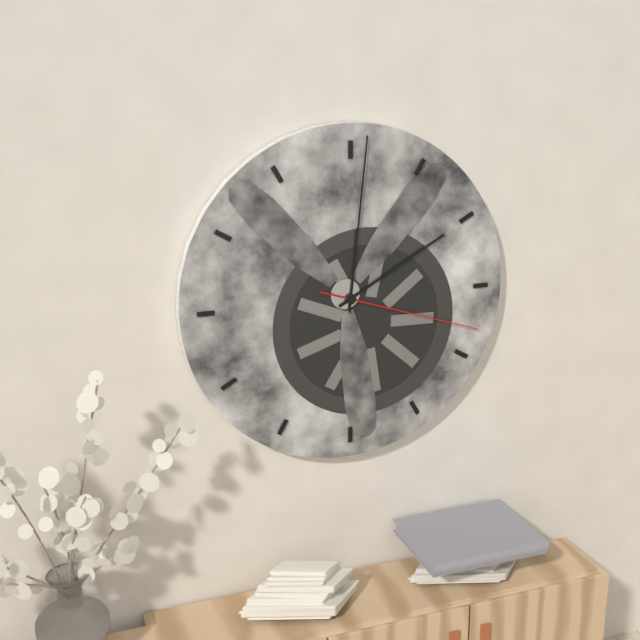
2:01:18
